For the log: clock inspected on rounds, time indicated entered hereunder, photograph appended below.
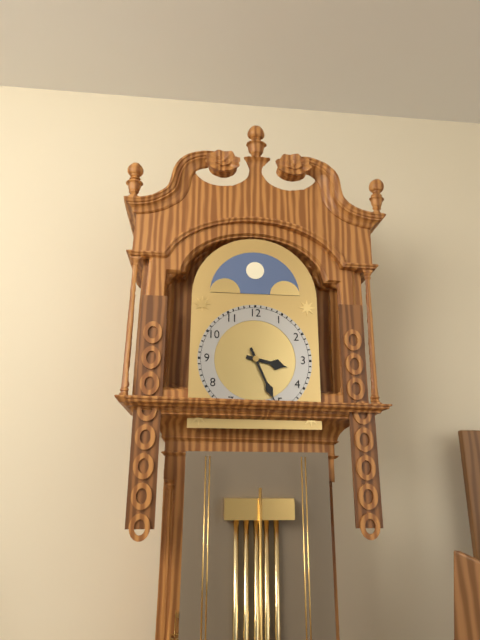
3:26
